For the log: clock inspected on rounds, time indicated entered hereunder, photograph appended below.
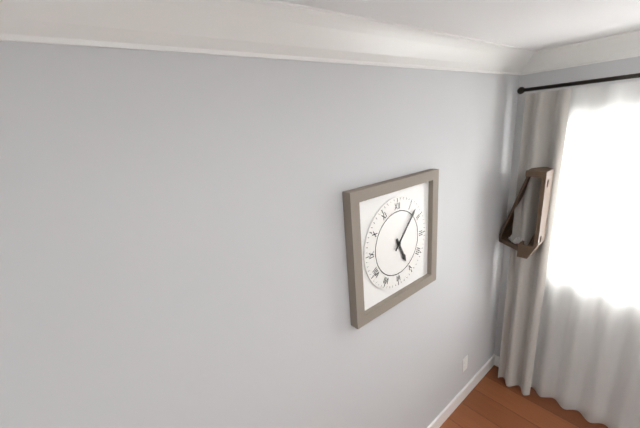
5:07
